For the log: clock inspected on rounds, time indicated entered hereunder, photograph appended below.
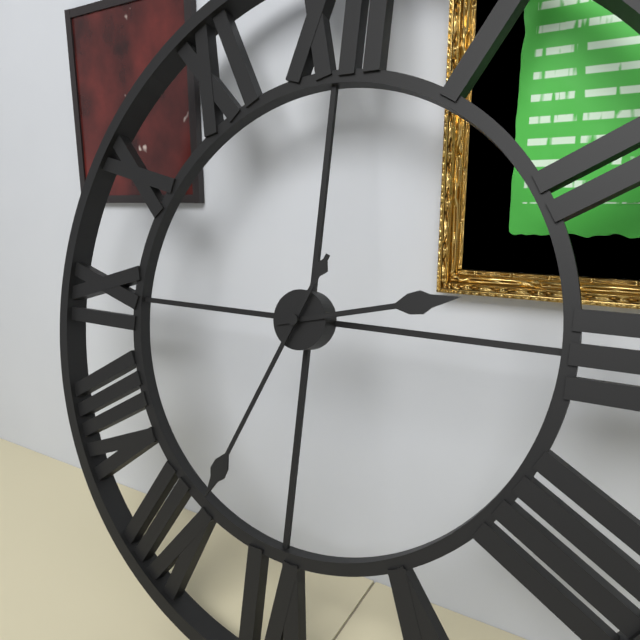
2:34
